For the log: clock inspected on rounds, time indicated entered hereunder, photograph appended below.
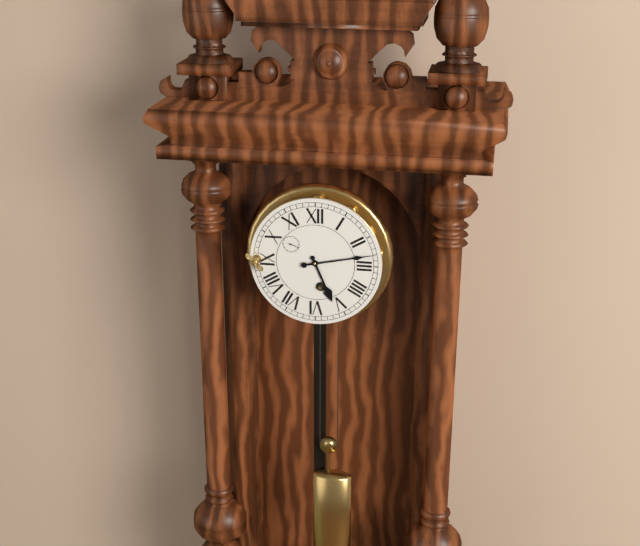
5:13
